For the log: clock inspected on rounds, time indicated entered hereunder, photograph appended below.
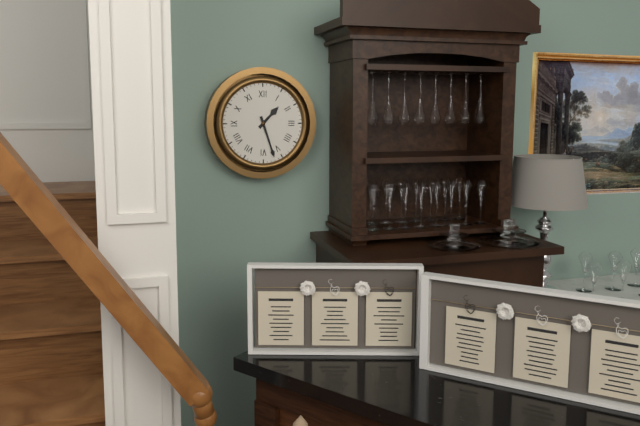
1:27
